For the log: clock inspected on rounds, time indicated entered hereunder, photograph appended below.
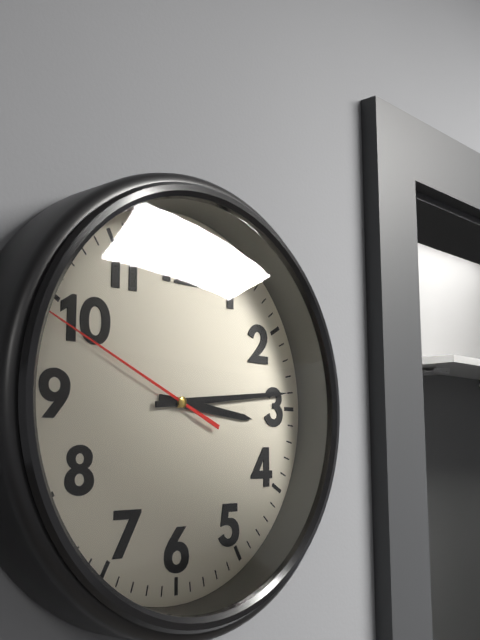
3:14:49
